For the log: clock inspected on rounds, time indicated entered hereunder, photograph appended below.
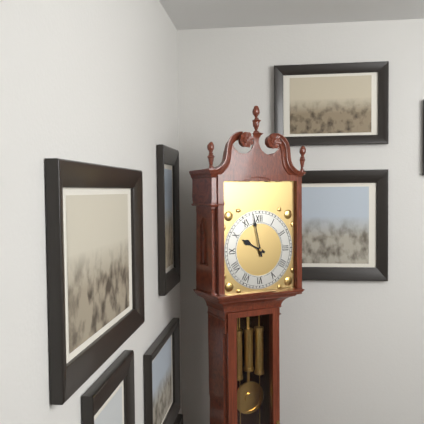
9:58
